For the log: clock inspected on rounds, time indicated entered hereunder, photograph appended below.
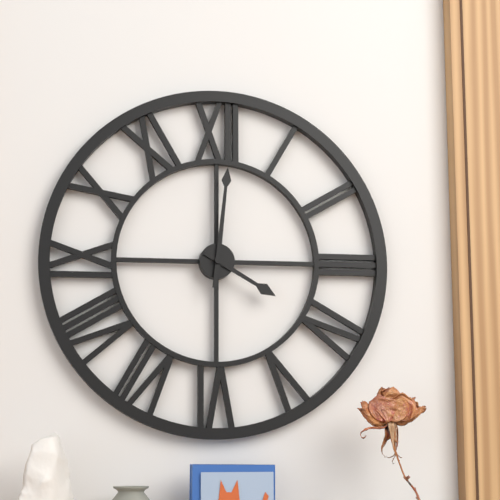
4:01
